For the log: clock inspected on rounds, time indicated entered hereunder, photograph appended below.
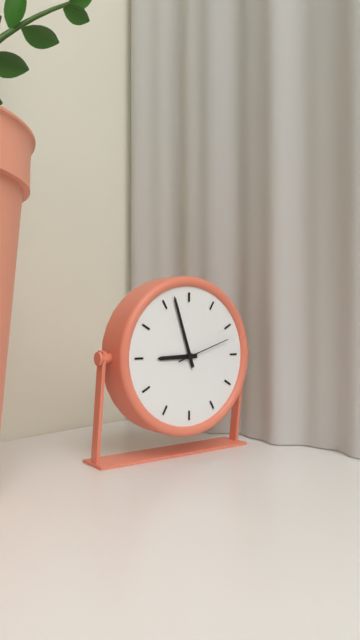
8:57:12
